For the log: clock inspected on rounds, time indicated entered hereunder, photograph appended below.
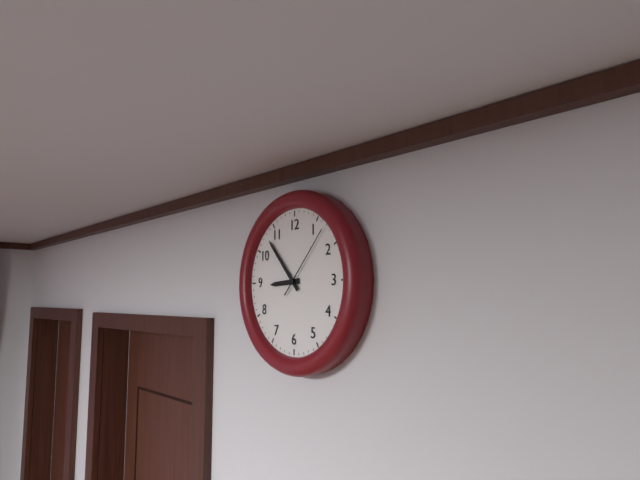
8:53:07
